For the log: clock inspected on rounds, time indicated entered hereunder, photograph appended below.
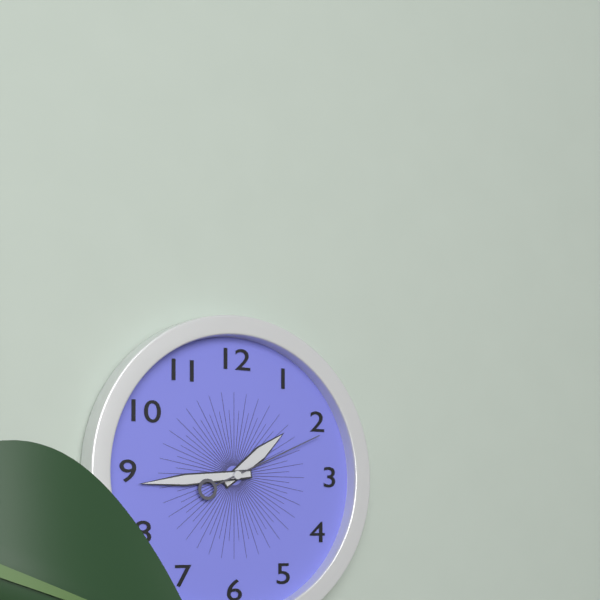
1:44:11
